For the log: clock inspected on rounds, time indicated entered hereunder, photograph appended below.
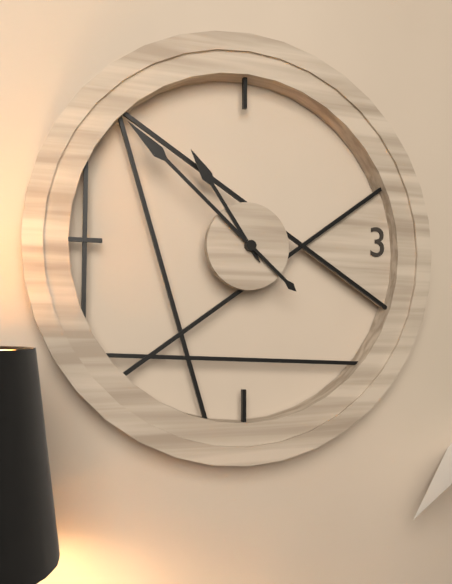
10:52
